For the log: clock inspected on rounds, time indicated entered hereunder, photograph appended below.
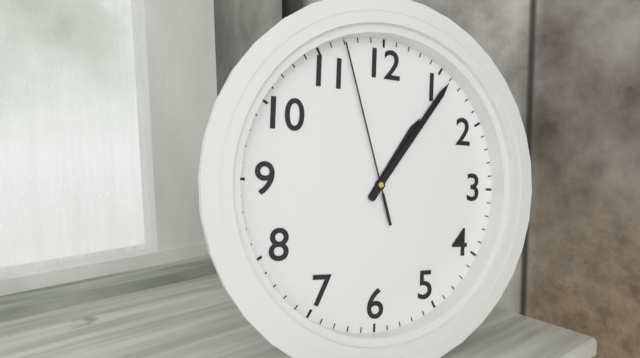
1:06:57
